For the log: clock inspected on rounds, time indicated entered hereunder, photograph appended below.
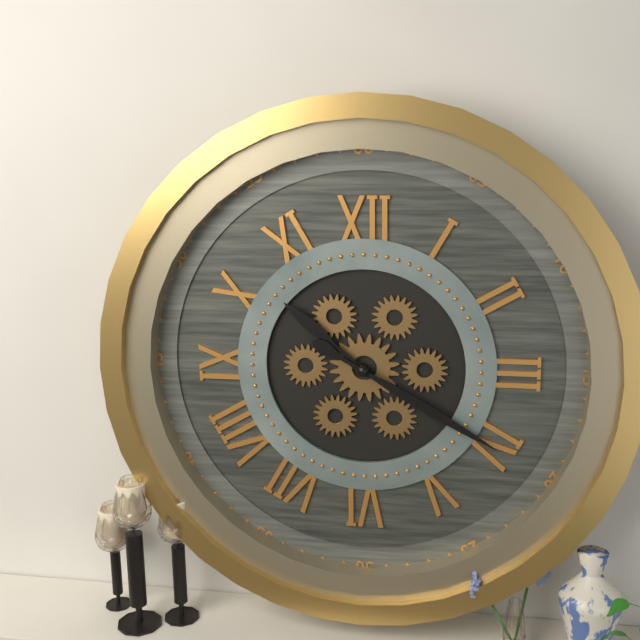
10:20
